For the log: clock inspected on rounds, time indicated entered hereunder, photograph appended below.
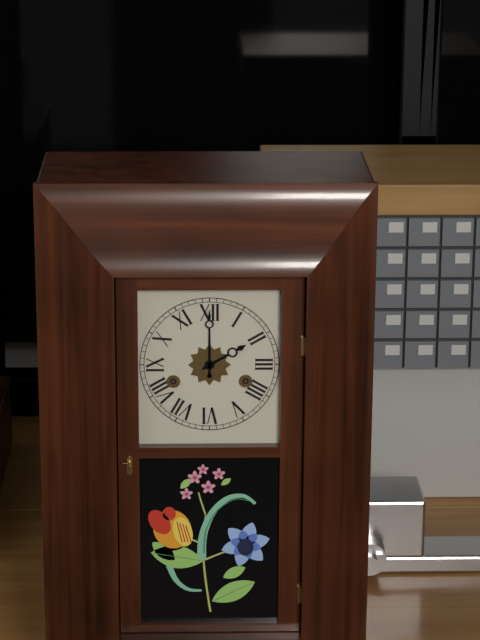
2:00
